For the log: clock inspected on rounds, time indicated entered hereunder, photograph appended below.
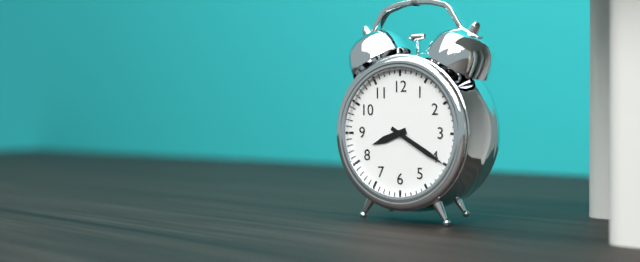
8:20
